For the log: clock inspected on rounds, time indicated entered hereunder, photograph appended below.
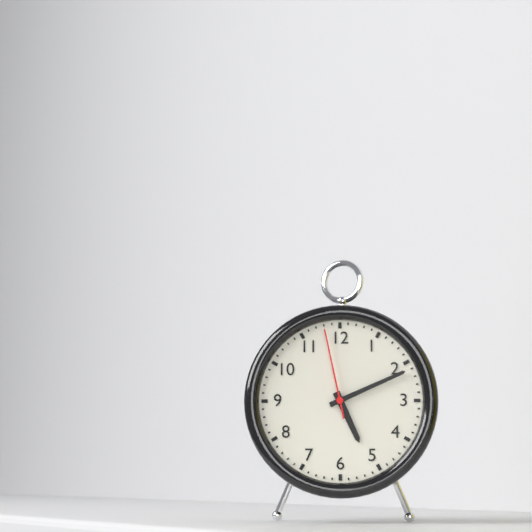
5:11:58
